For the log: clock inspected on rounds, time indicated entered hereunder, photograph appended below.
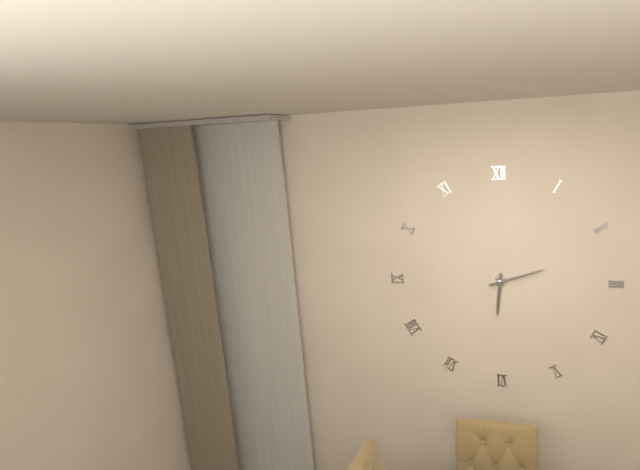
6:12
